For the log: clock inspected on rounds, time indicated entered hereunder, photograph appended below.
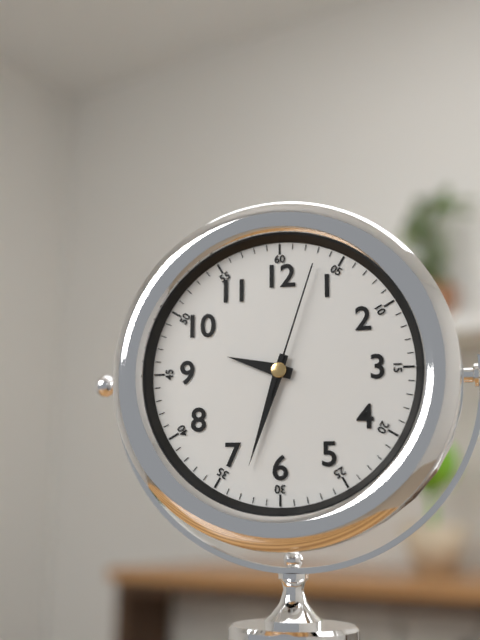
9:33:03
